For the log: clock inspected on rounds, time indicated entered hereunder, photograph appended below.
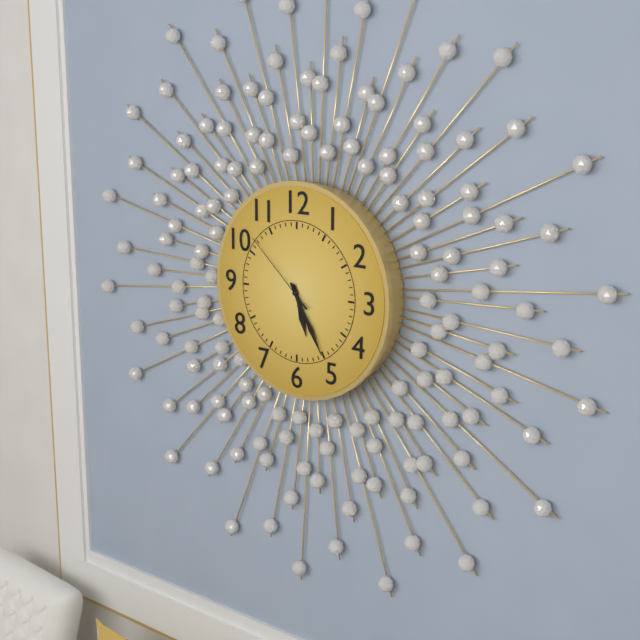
5:25:52
